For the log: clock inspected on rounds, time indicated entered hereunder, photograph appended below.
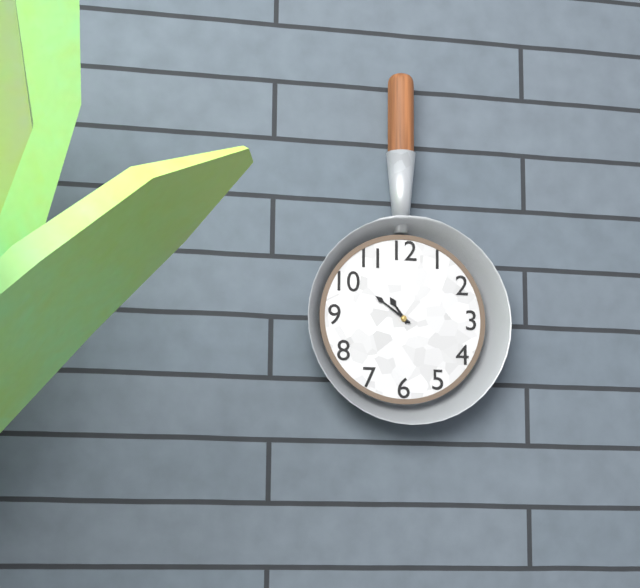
10:51
